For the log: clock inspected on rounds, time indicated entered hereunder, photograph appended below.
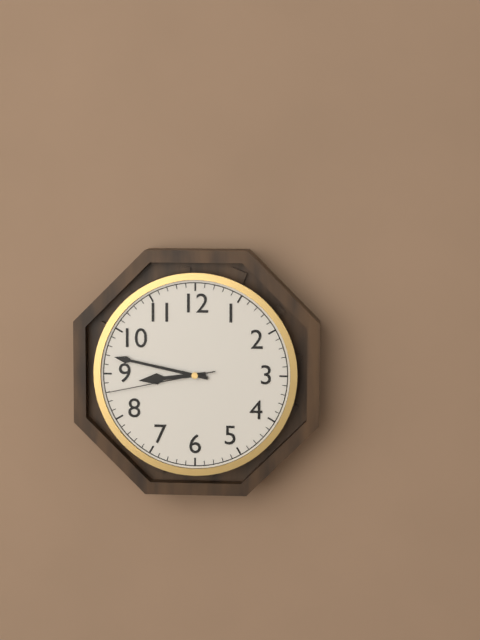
8:47:43
